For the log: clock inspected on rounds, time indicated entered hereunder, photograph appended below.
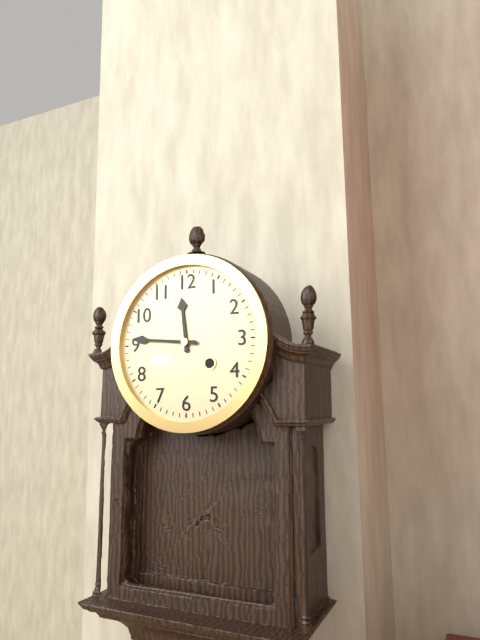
11:46
